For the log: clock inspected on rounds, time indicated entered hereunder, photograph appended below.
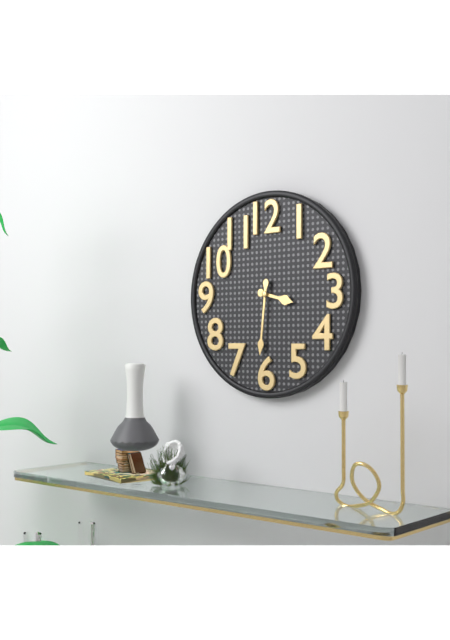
3:31
